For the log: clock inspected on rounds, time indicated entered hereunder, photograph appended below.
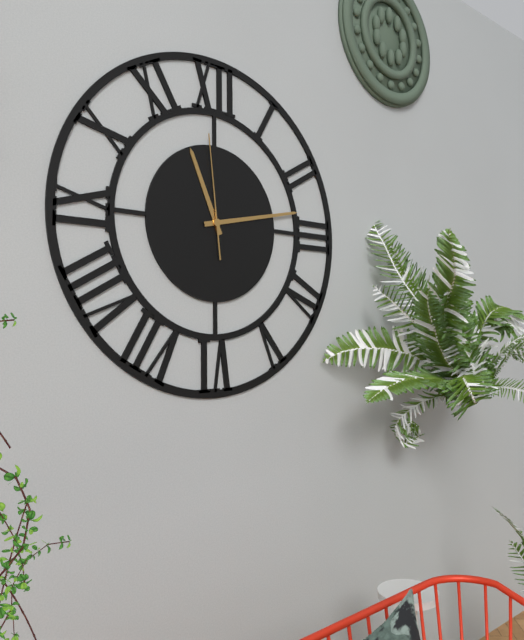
11:13:59
